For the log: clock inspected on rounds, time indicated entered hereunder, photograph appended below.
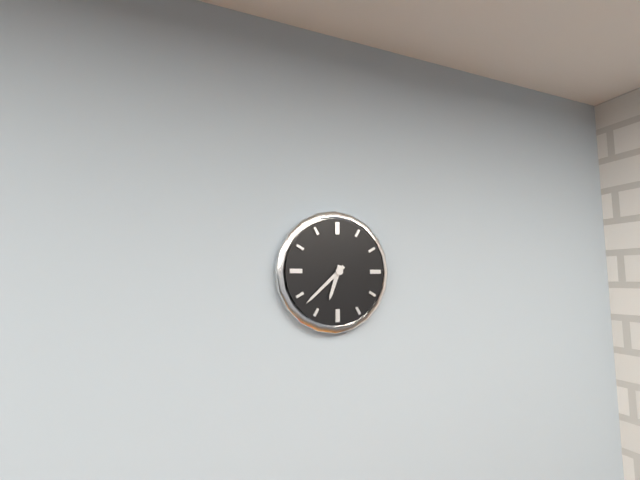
6:38
